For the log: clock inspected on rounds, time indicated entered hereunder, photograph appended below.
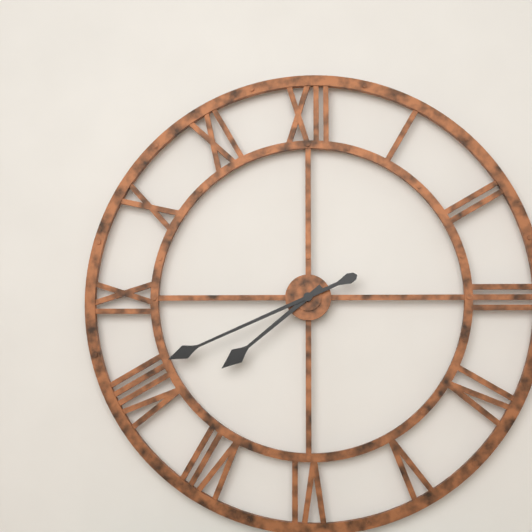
7:41
